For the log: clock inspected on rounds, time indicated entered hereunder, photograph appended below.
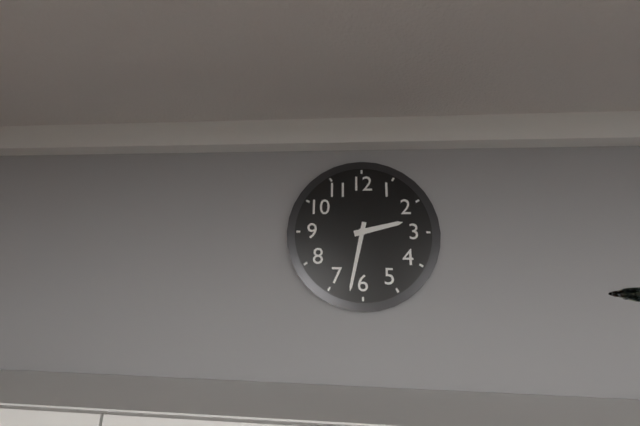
2:32
